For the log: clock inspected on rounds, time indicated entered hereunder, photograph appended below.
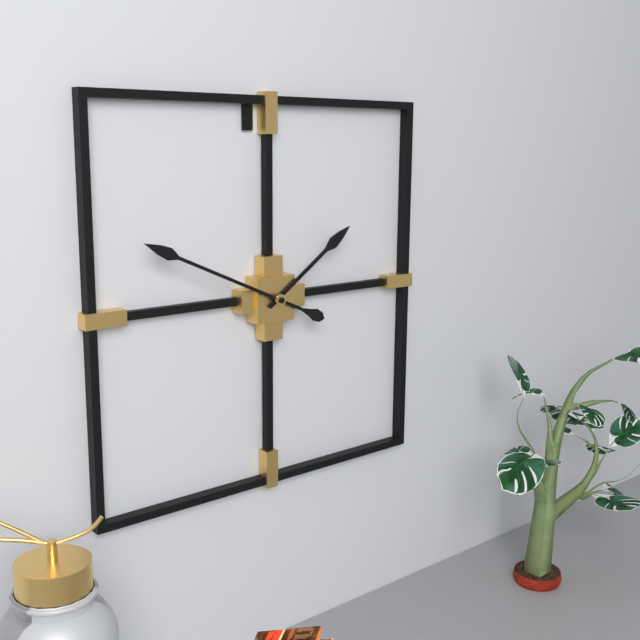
1:49
